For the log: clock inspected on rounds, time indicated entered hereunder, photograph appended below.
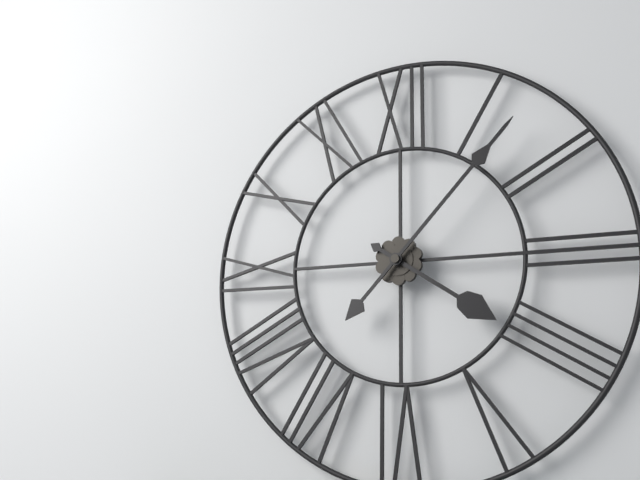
4:07
